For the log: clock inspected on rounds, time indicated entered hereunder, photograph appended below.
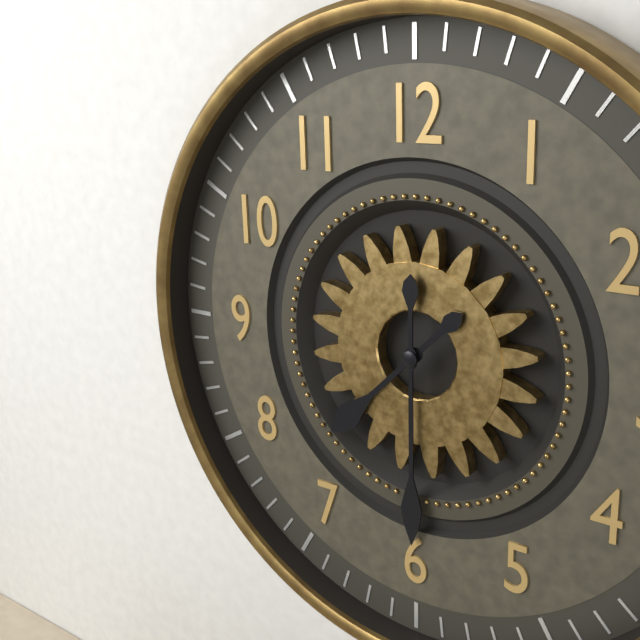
7:30
